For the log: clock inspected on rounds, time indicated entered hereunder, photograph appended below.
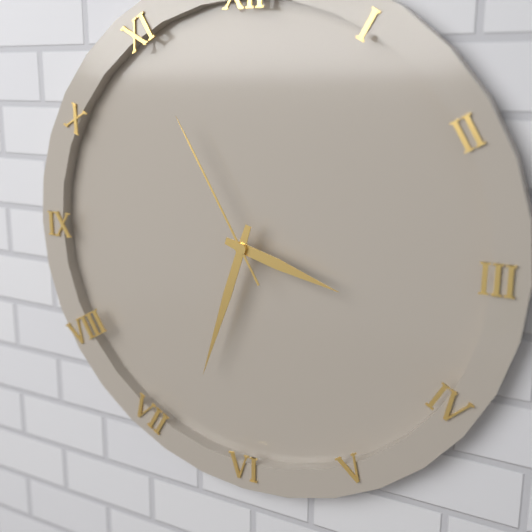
3:33:55
